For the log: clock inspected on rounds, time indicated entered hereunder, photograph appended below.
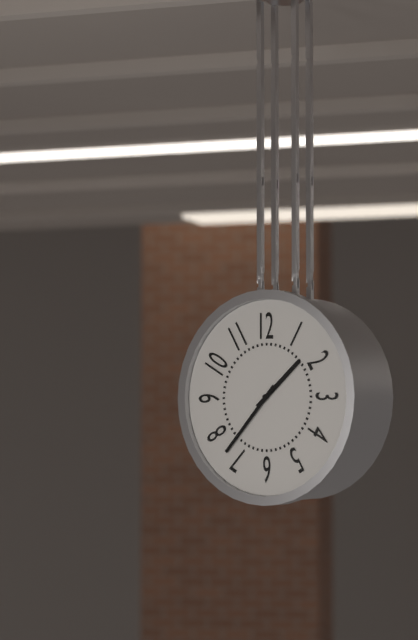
1:37
